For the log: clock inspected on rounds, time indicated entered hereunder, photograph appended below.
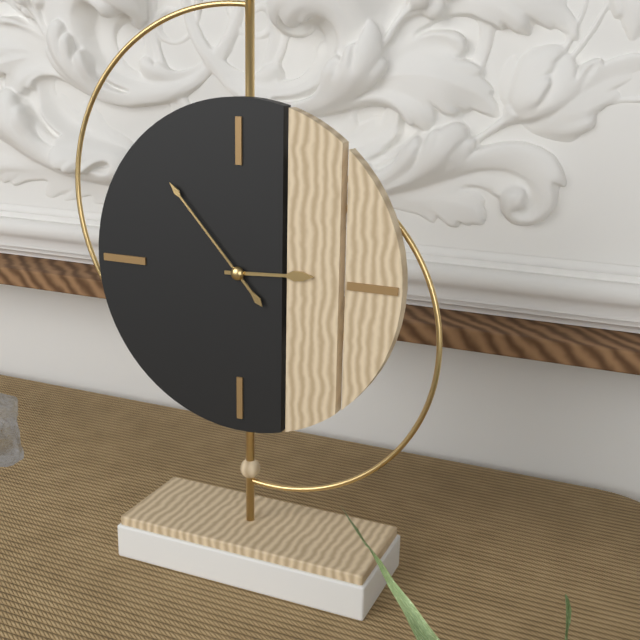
2:53
